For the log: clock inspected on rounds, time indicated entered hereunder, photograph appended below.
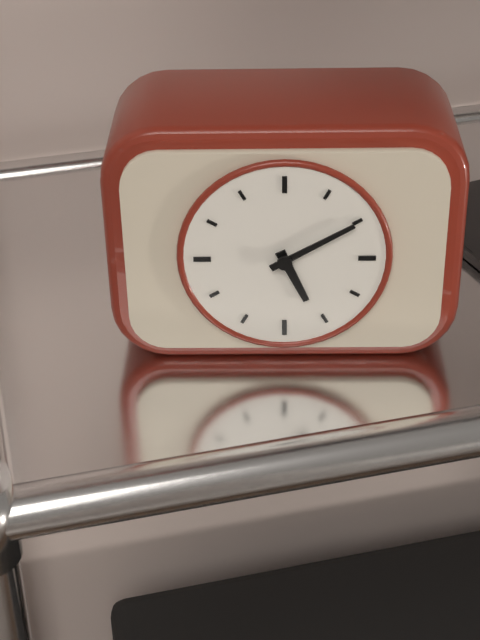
5:10
